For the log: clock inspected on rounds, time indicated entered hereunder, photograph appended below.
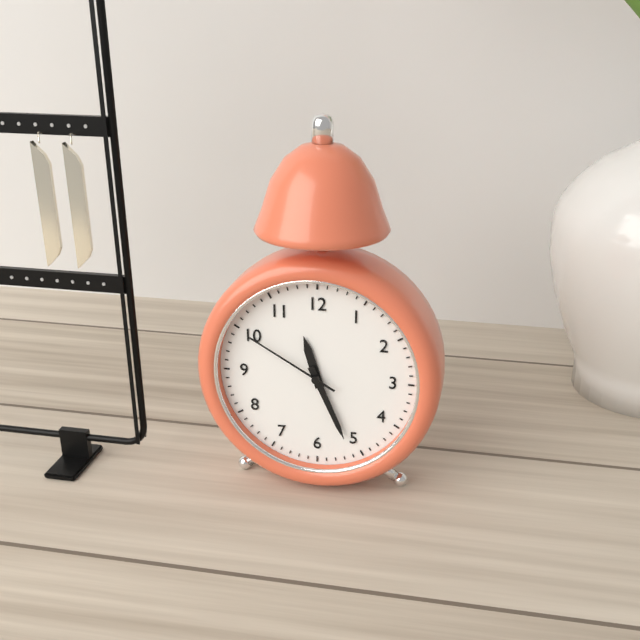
11:26:50
